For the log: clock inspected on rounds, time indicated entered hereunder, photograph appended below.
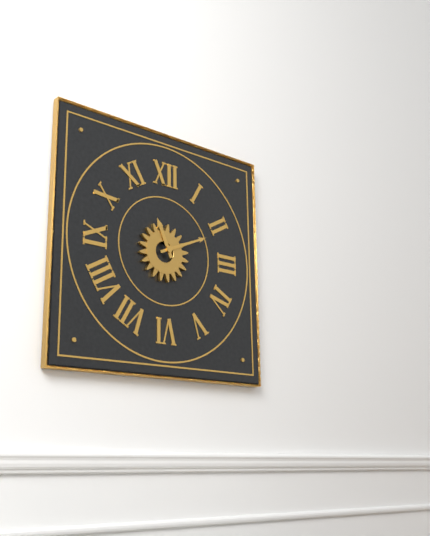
11:11
